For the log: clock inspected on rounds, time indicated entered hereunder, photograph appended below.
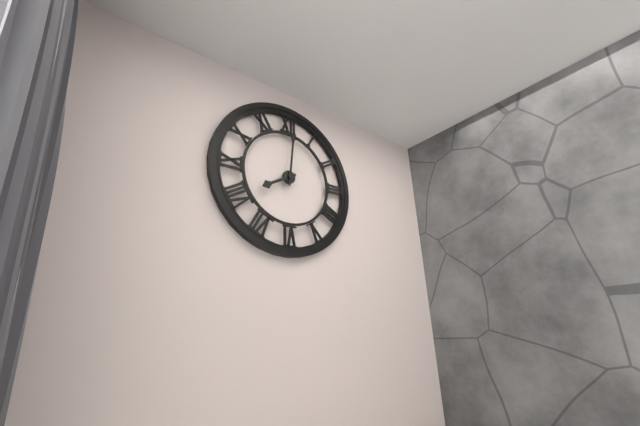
8:01
